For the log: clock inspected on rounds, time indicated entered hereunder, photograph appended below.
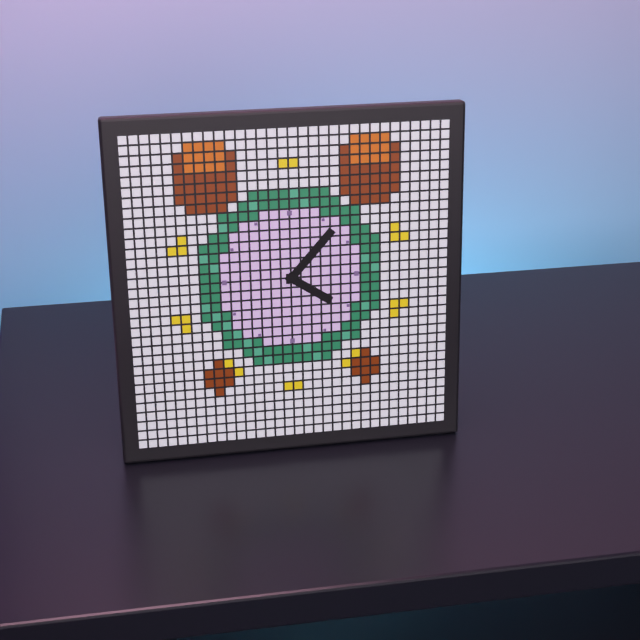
4:07
